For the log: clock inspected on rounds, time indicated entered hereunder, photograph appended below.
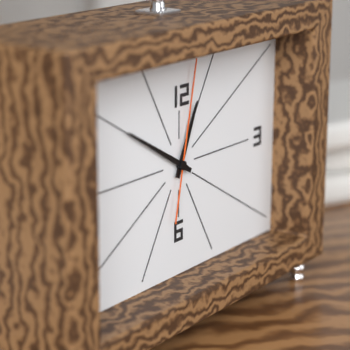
12:50:02
